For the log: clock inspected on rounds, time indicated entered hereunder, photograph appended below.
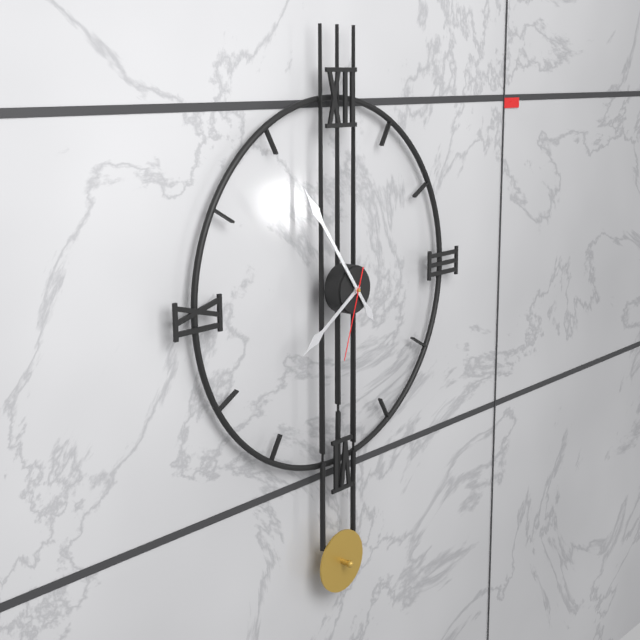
7:54:33
